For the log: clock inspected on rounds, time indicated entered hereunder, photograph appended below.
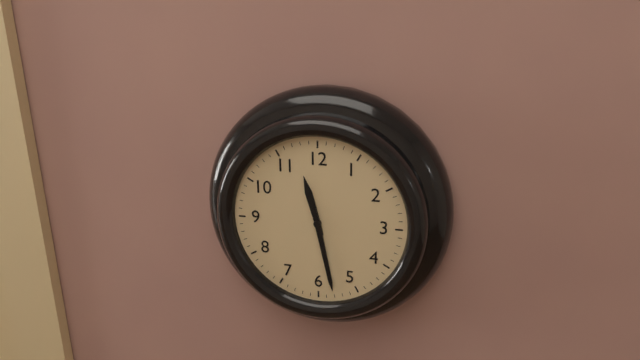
11:28
